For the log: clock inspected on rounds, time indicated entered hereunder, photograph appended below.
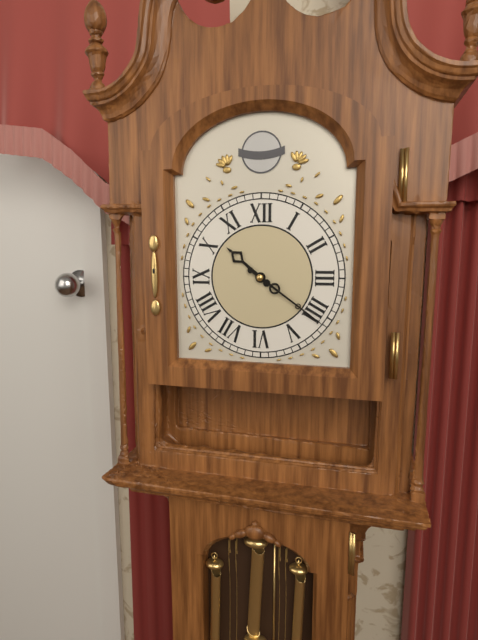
10:21
